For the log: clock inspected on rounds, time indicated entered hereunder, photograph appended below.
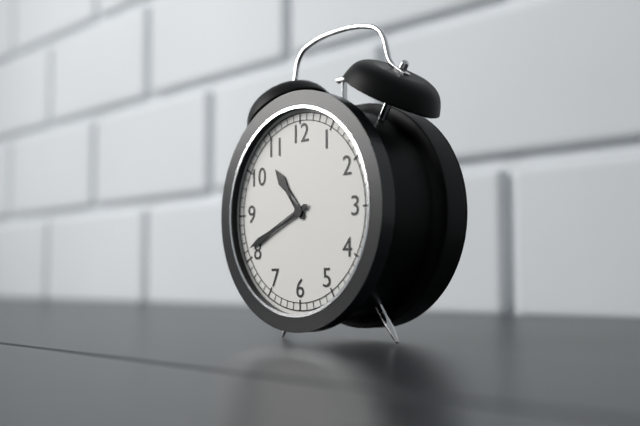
10:41
